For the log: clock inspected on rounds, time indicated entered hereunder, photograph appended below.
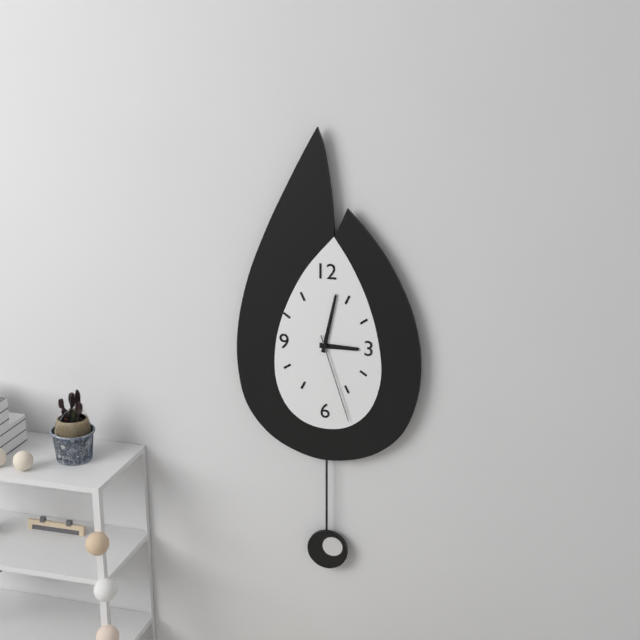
3:02:27
